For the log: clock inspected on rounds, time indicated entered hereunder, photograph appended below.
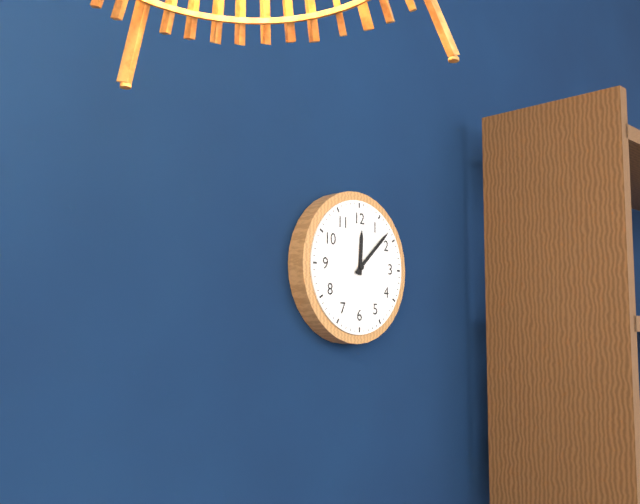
12:08
